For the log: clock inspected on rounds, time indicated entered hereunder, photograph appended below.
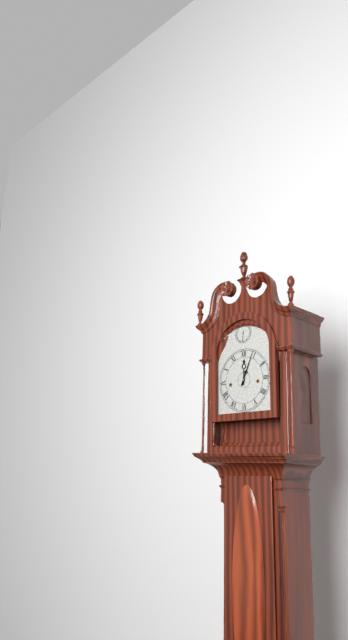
12:04
